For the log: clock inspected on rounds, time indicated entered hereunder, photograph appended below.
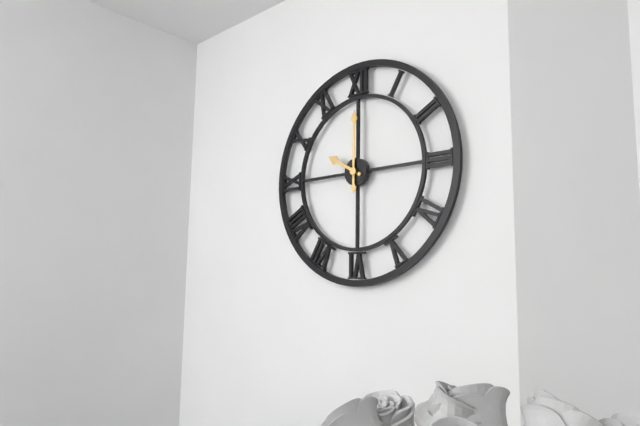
10:00
